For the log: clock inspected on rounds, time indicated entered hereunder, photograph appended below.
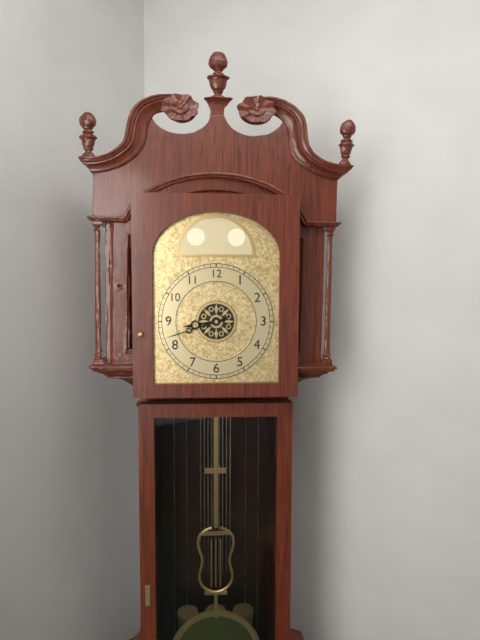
8:42
